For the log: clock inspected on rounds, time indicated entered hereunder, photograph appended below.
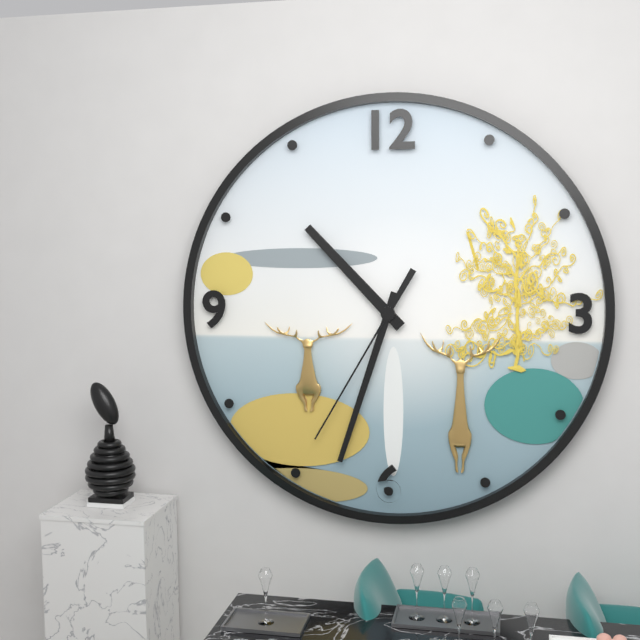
10:33:35
